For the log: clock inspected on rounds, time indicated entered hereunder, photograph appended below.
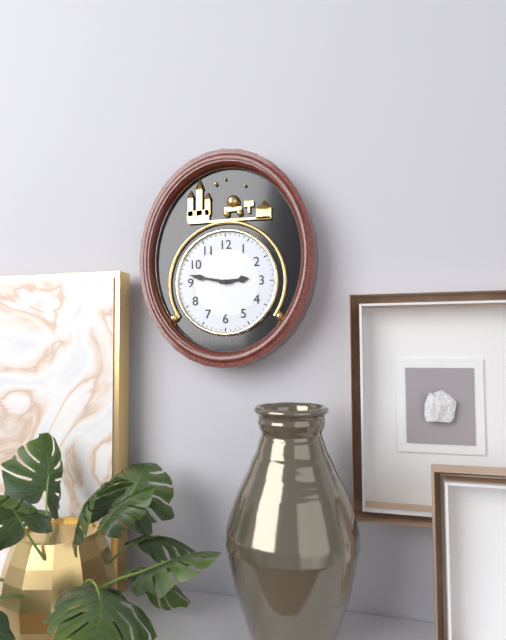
2:47
